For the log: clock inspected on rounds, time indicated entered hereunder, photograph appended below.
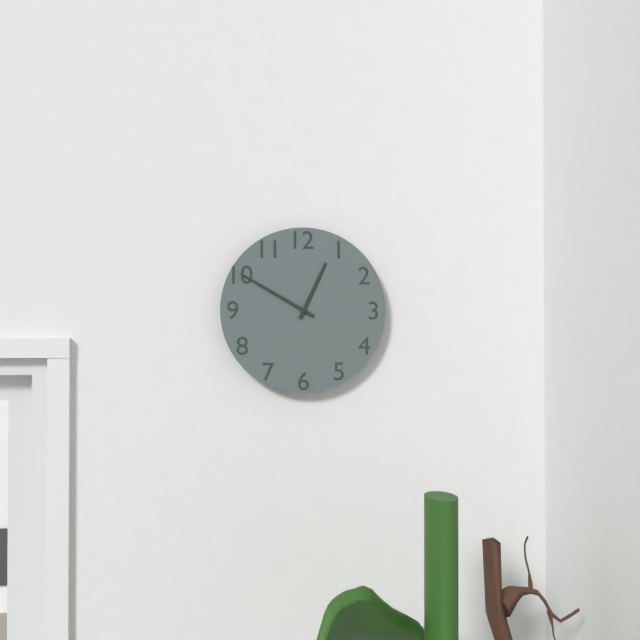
12:50
